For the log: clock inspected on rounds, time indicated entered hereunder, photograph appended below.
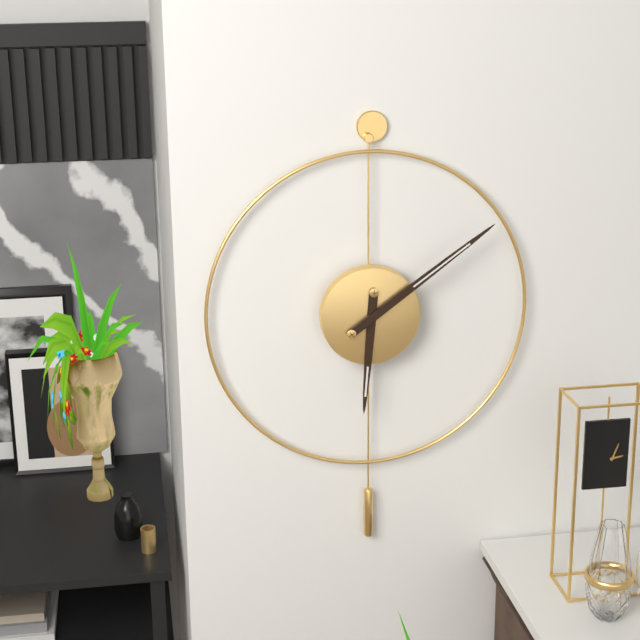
6:09
